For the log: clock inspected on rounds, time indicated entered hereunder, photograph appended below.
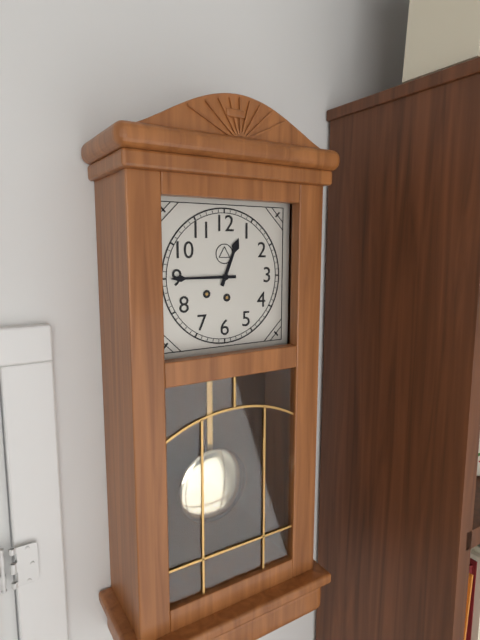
12:45
